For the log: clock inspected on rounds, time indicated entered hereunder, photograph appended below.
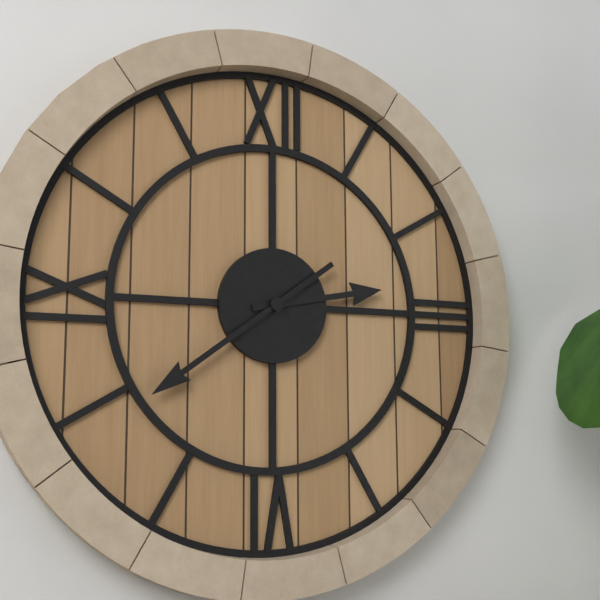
2:39
